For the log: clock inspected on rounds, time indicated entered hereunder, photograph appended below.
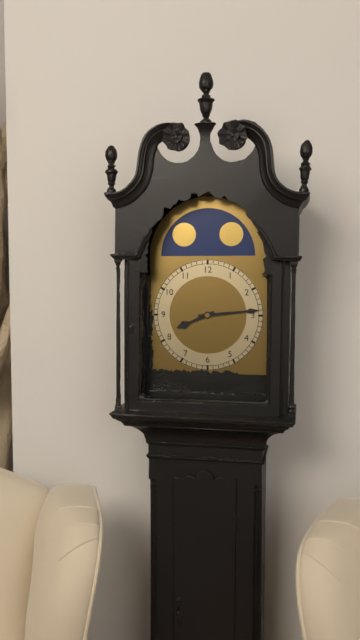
8:14
